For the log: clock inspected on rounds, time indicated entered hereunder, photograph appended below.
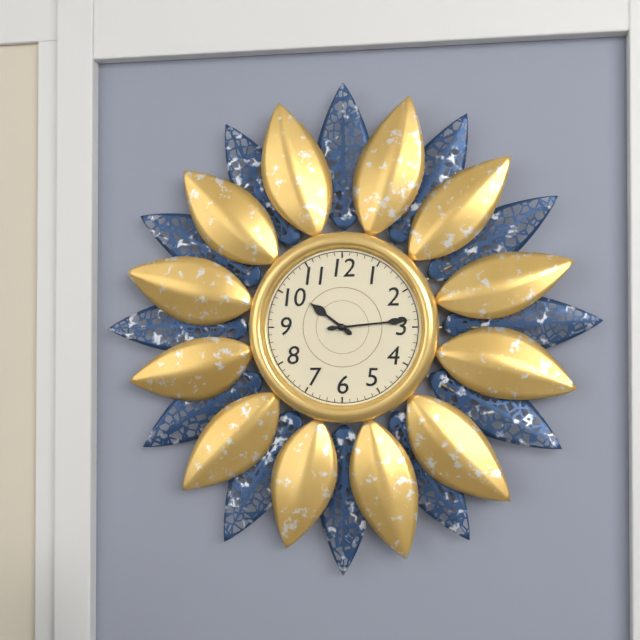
10:14
